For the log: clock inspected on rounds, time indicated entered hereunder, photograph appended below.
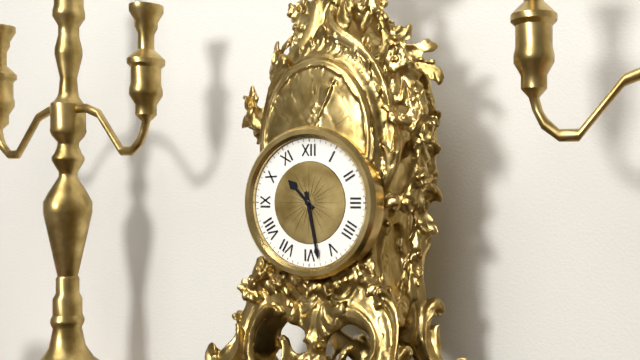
10:28
